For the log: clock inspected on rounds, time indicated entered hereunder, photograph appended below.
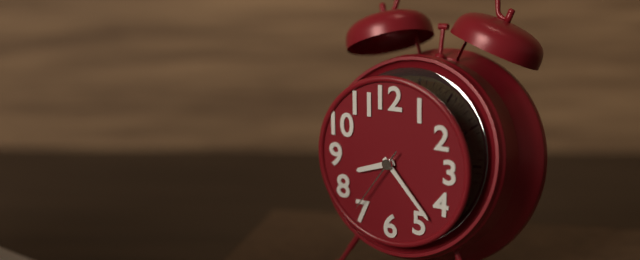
8:23:36
